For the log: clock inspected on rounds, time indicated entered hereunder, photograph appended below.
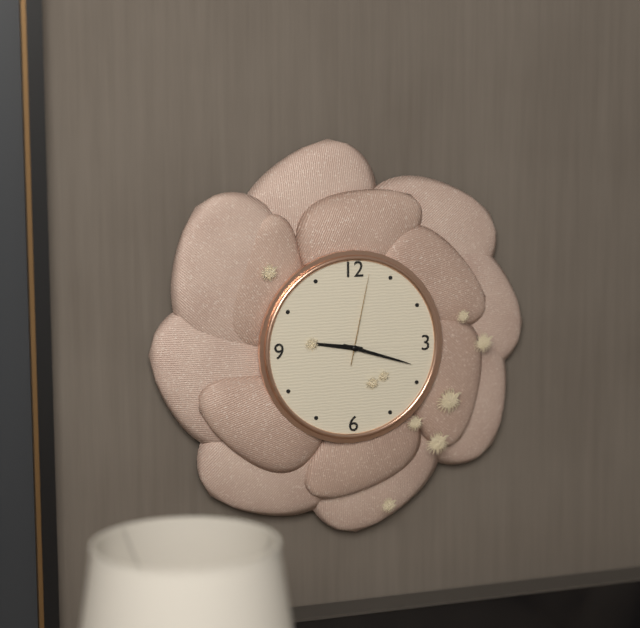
9:18:02
